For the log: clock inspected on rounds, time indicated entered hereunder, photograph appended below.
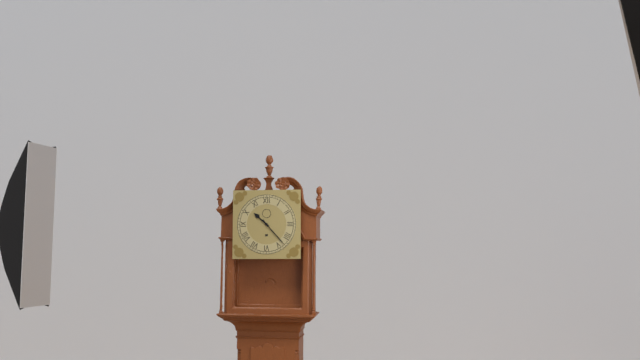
10:23
